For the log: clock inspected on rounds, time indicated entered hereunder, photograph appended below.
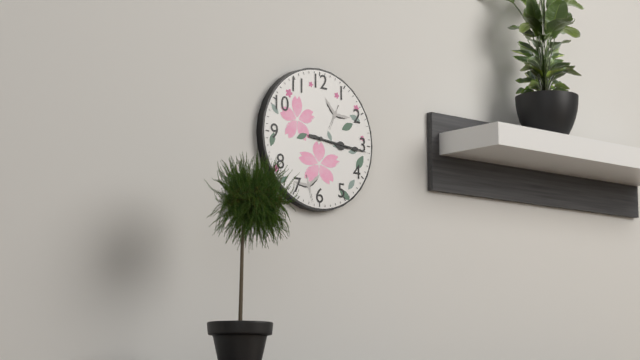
3:16
